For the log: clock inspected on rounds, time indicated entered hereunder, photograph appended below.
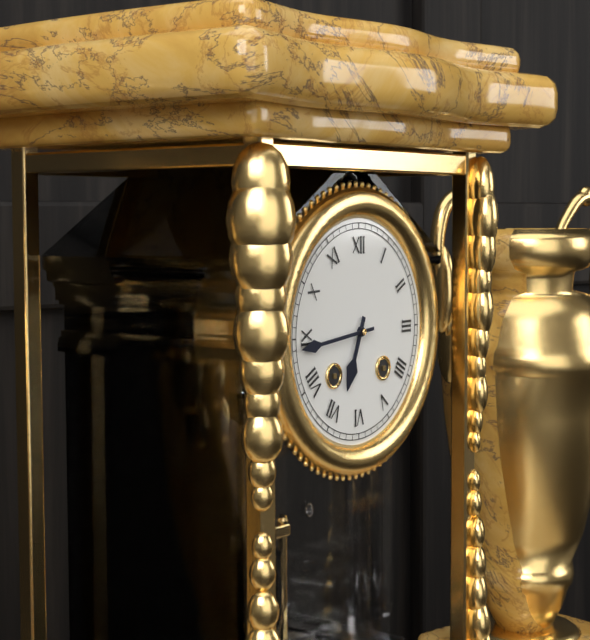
6:44
